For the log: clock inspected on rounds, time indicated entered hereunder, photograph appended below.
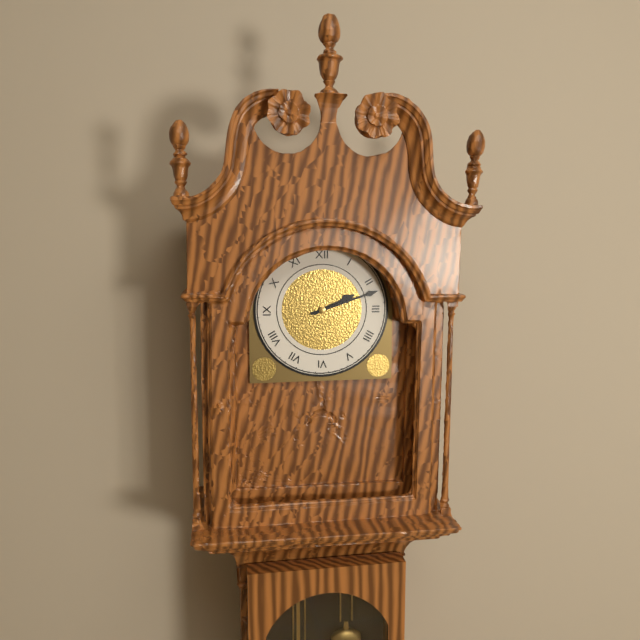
2:12
